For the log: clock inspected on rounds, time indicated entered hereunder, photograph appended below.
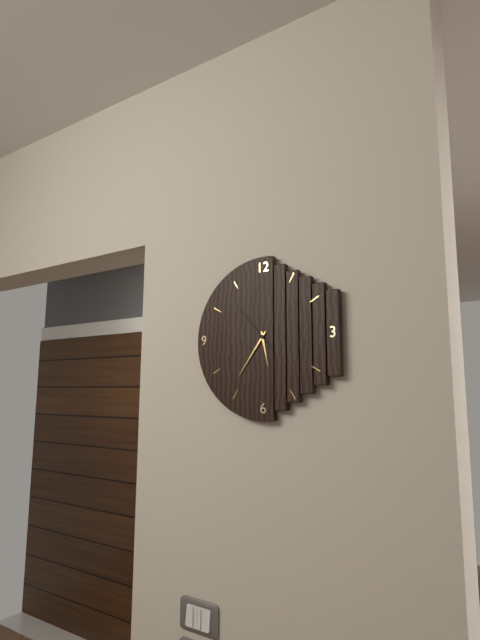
5:36
